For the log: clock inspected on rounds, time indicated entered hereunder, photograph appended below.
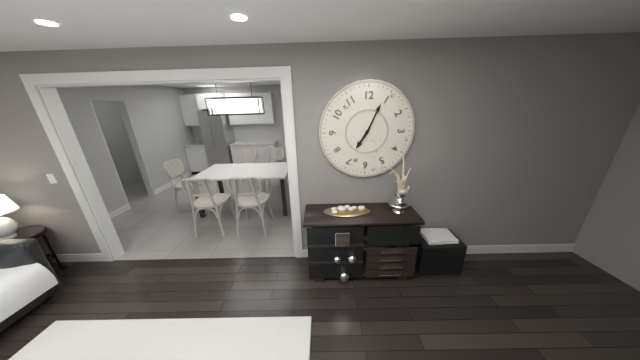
7:04
